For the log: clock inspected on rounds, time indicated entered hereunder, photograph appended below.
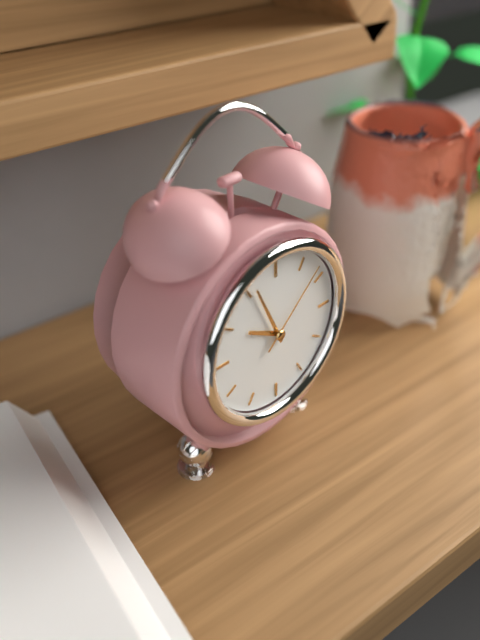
9:56:08
